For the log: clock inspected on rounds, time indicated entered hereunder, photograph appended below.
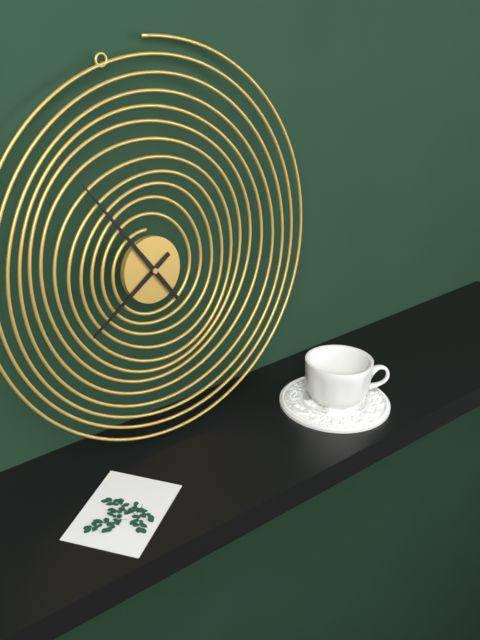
7:54
